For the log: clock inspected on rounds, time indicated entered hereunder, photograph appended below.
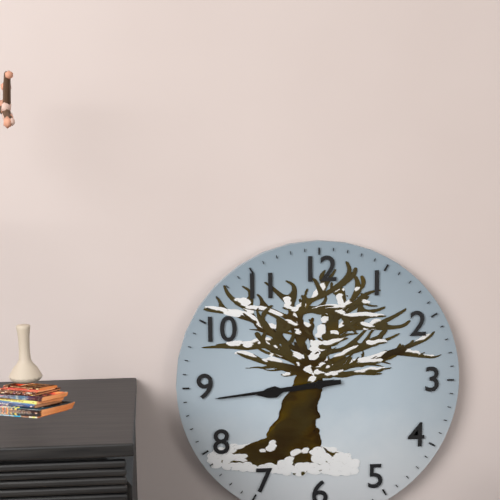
8:44
